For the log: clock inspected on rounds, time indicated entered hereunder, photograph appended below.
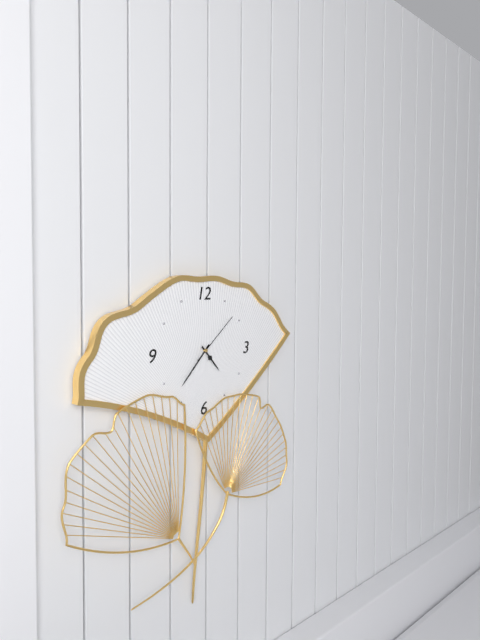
4:37:08
